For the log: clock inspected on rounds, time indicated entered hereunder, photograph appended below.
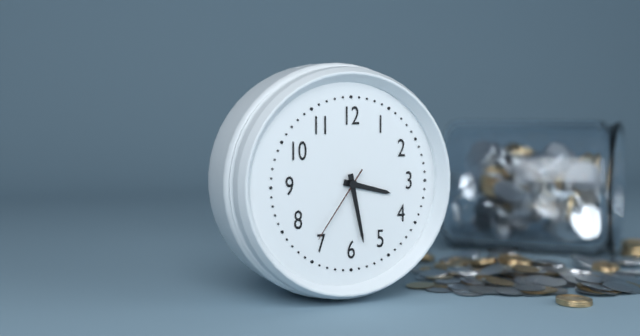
3:28:36
